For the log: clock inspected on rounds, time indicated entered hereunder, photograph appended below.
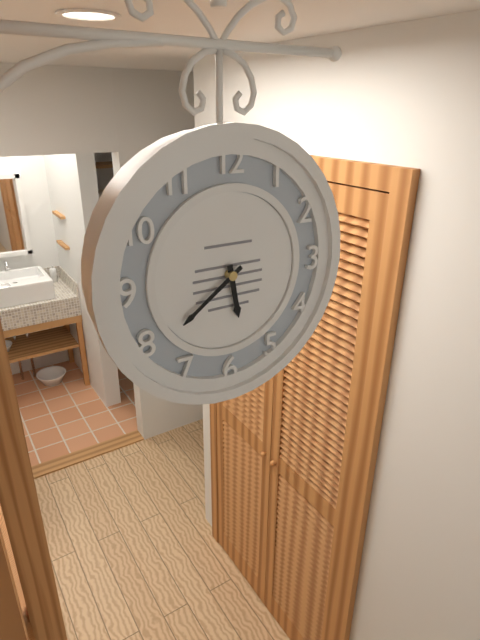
5:39
